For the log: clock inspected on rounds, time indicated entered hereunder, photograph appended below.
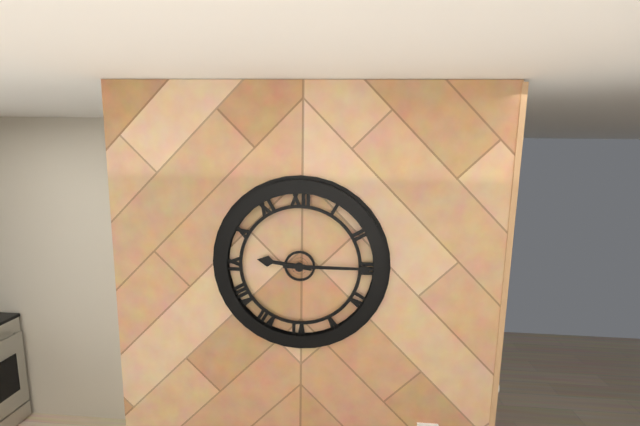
9:15
